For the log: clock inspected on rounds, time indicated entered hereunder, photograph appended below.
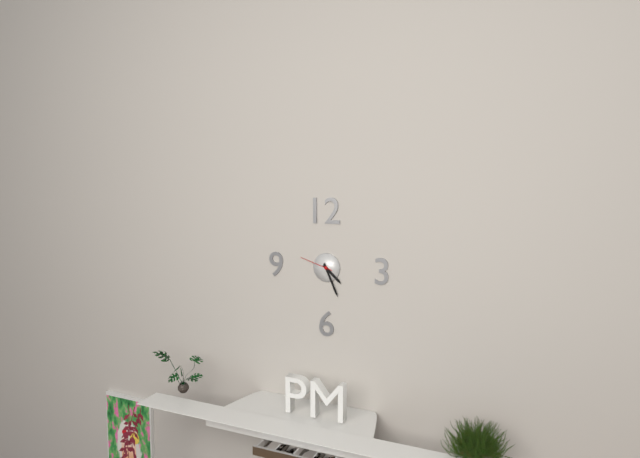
4:26
